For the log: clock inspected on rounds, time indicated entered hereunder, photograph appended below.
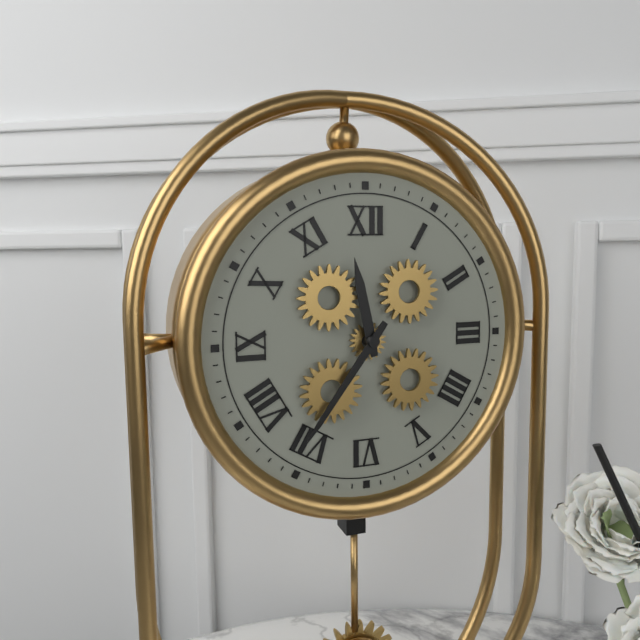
11:36
